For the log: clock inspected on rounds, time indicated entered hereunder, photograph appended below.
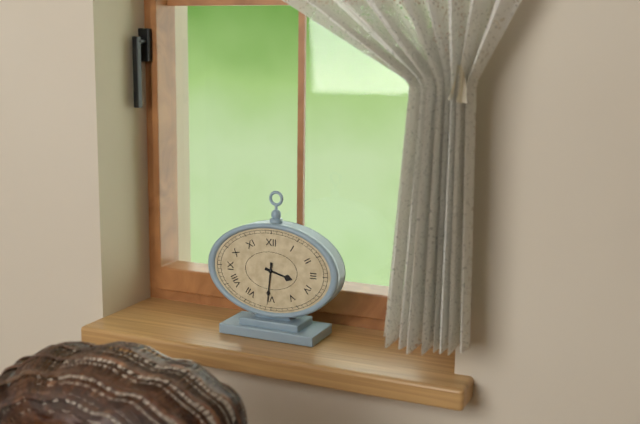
3:31
